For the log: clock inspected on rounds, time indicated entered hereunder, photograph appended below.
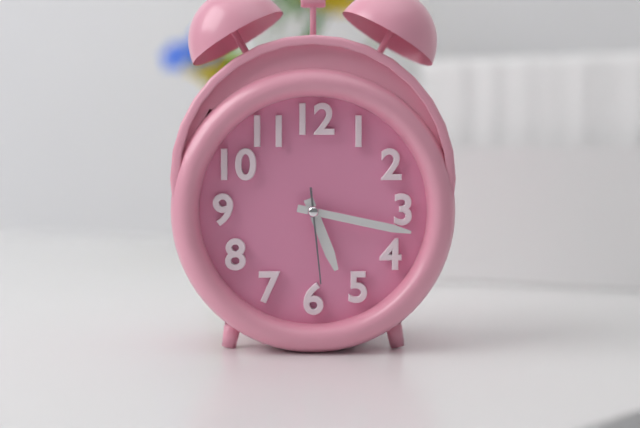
5:17:29
